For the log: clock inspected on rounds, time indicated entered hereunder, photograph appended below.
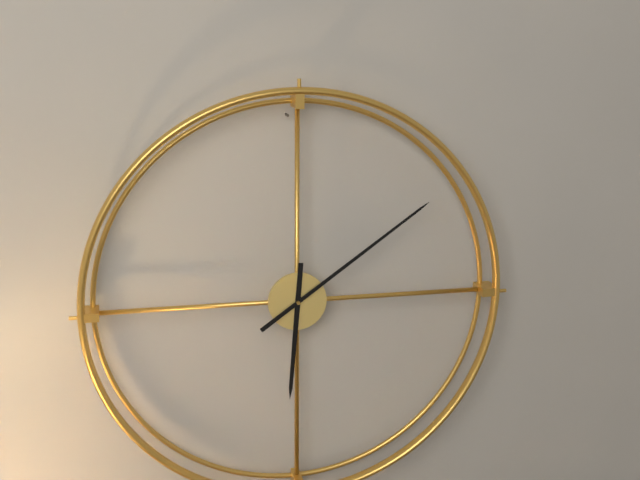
6:09
